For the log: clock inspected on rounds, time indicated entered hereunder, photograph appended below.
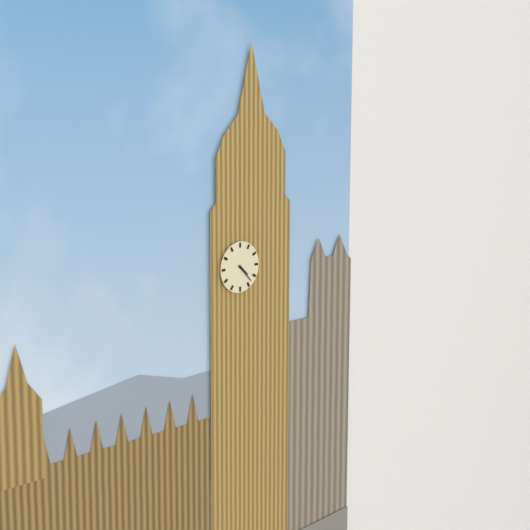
4:23
